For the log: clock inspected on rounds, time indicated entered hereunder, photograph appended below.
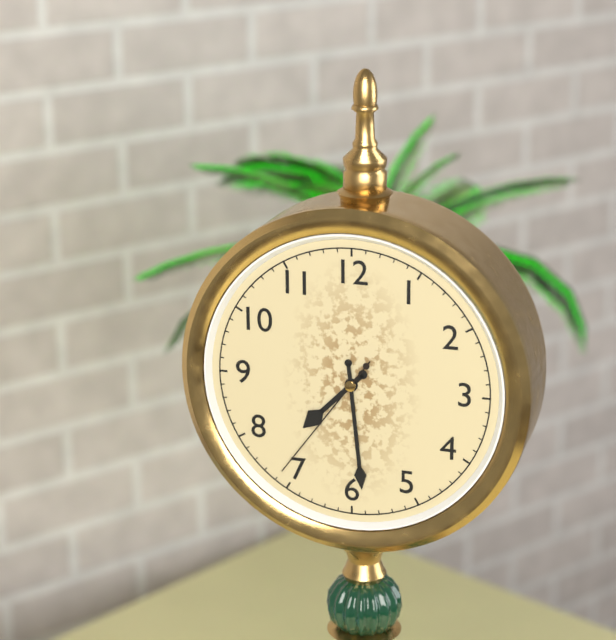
7:29:36
